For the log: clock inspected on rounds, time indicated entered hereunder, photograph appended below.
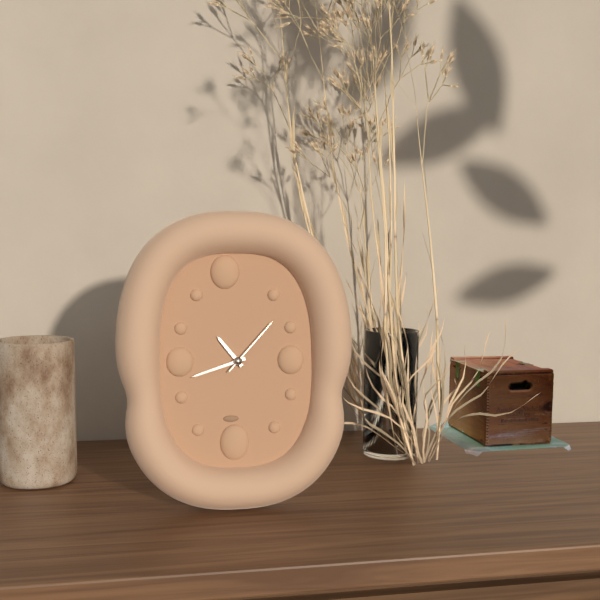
10:42:07
